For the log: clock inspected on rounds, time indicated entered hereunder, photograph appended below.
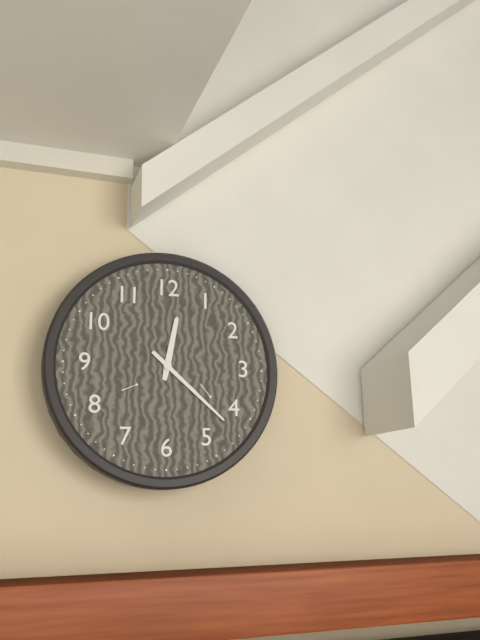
12:22
